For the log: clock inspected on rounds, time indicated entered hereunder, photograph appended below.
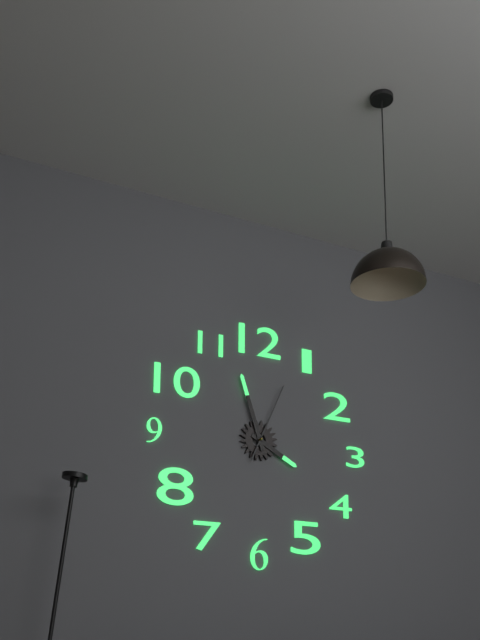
3:57:04
